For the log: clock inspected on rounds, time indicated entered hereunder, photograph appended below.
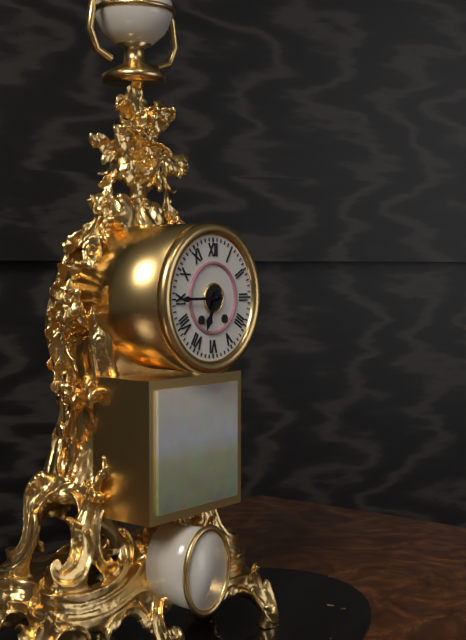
6:45
